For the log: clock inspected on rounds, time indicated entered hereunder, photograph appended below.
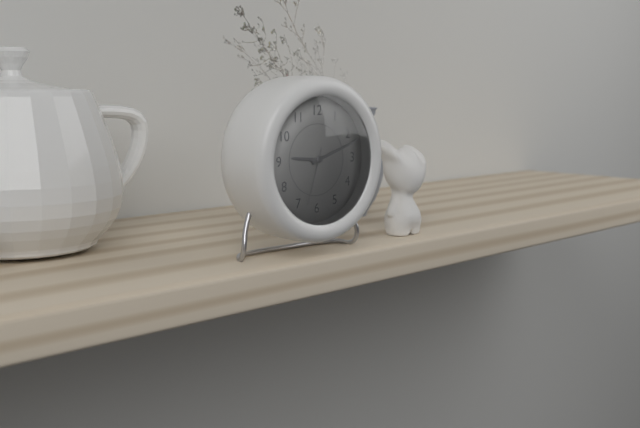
9:12:33
